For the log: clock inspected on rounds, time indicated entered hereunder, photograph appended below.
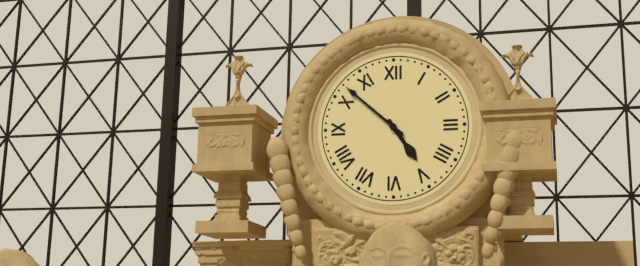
4:52
